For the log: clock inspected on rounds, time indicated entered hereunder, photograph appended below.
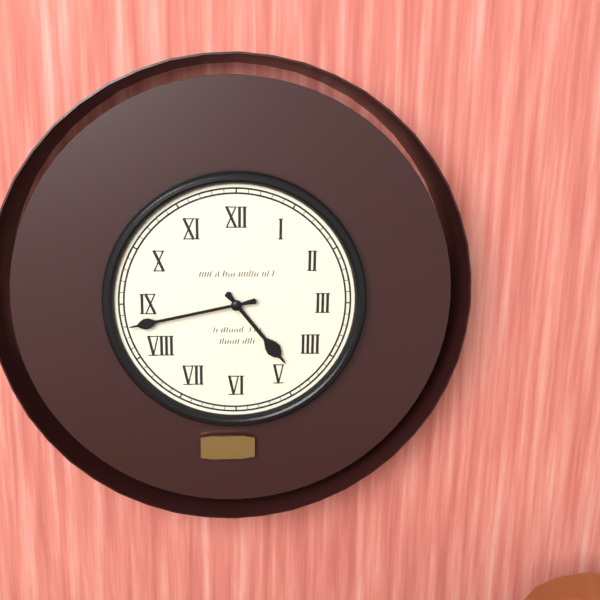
4:43
